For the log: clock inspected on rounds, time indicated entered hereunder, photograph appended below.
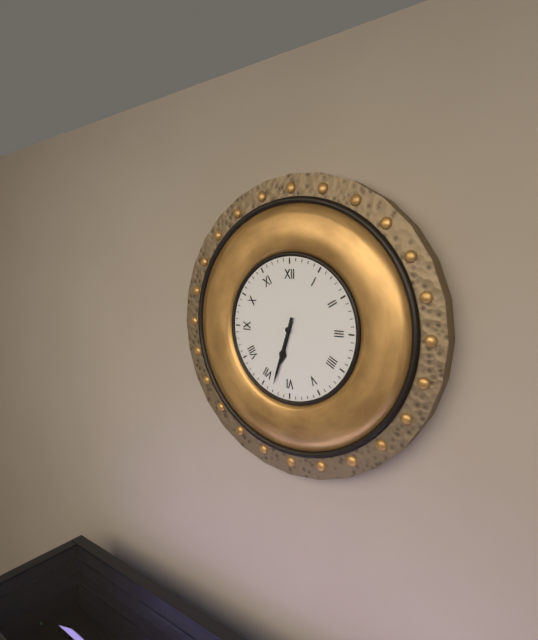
6:33
